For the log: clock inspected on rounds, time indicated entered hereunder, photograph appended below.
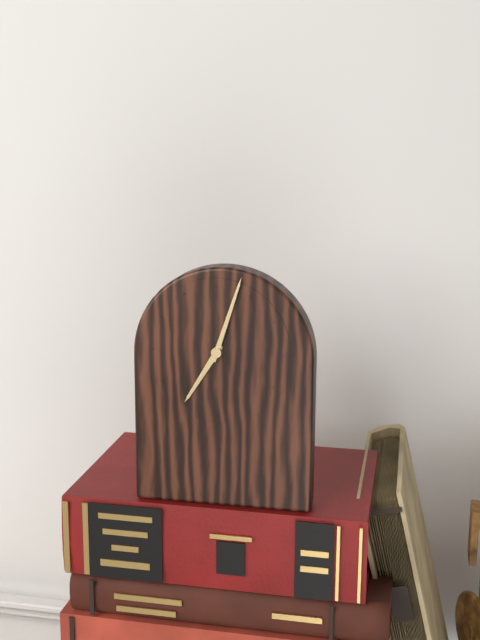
7:03
